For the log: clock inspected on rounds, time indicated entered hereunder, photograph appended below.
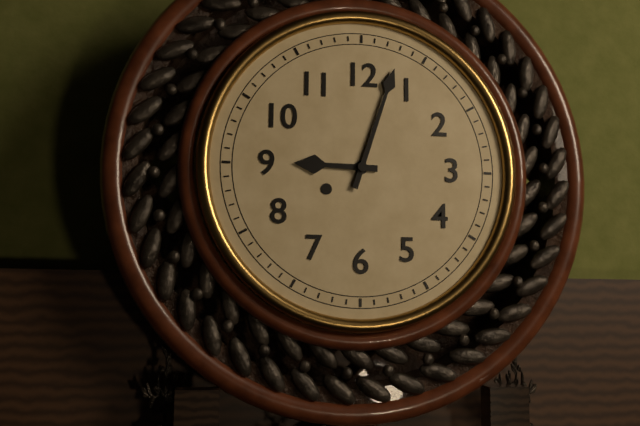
9:03
